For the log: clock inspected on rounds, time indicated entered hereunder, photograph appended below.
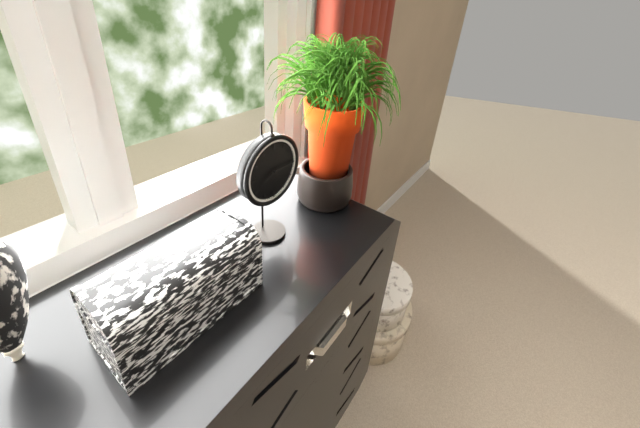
8:15
